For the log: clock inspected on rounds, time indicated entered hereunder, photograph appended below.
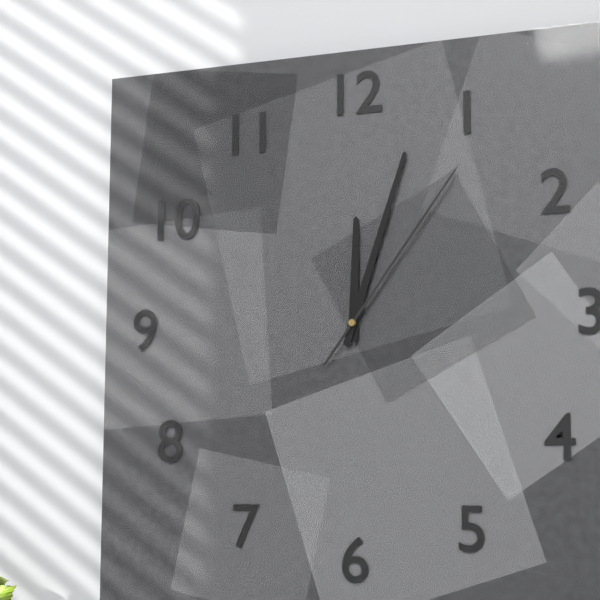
12:03:06
